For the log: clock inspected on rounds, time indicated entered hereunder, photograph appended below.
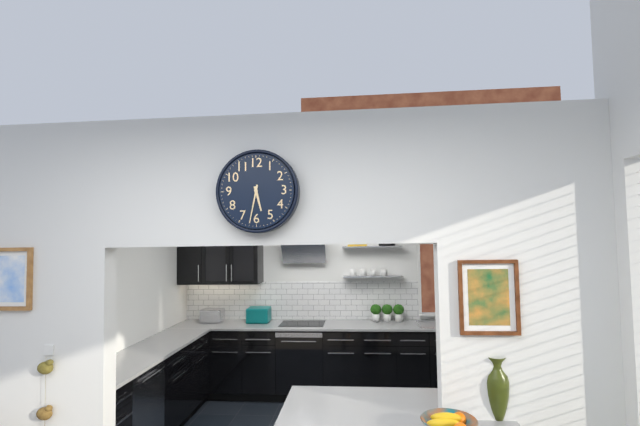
5:32
